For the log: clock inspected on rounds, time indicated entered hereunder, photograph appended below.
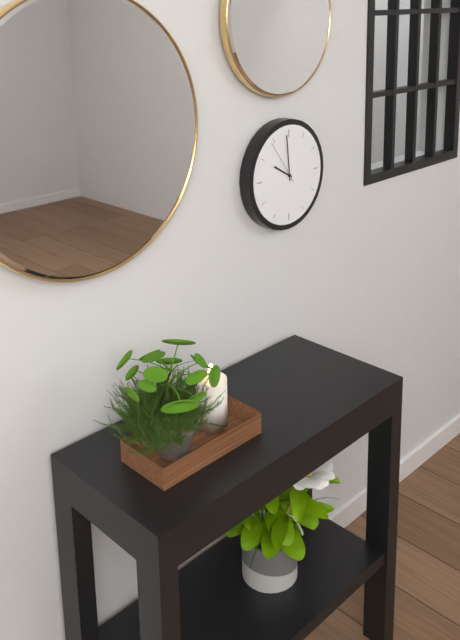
9:59
